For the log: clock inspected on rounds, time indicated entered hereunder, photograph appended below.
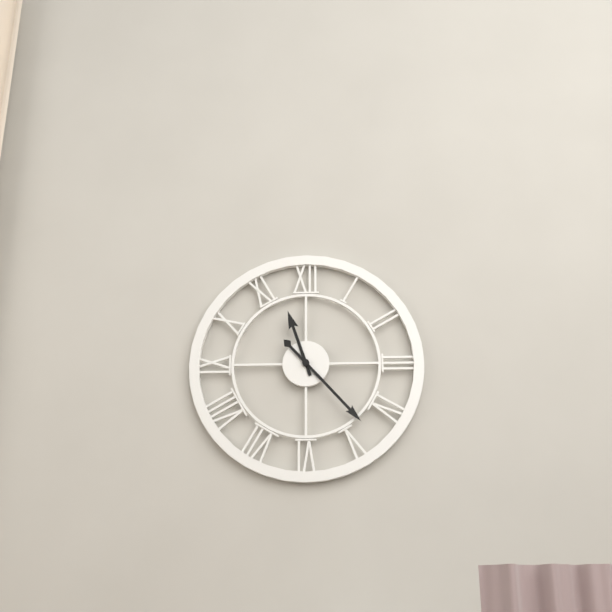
11:23
